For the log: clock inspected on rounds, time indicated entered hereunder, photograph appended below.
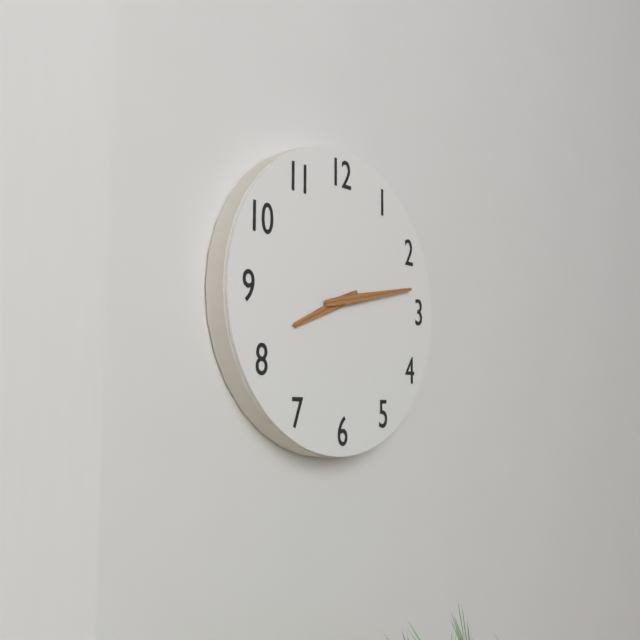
8:13
